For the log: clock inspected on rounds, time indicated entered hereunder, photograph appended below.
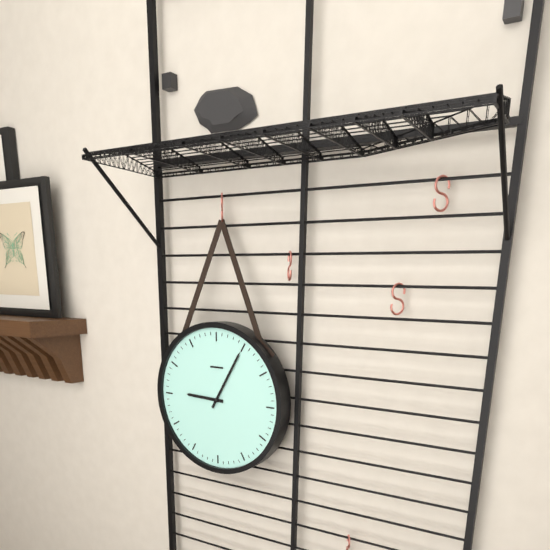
9:05
